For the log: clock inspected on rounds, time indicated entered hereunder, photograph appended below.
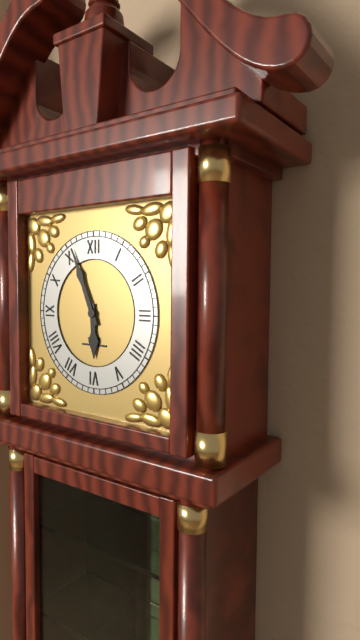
5:56
